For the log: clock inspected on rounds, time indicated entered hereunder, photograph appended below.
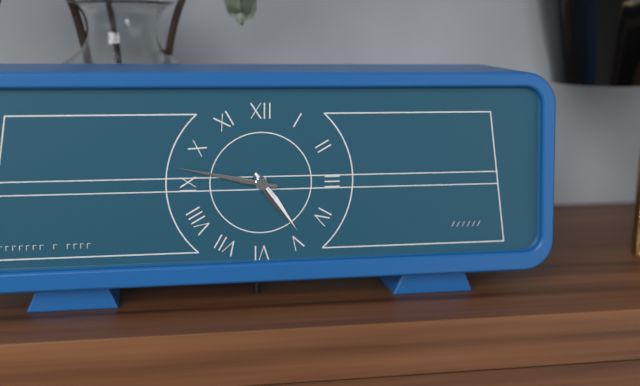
4:47
